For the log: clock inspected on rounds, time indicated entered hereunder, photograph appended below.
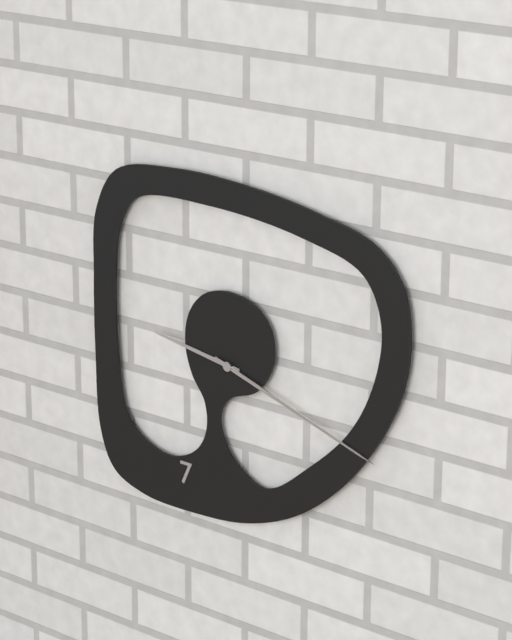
9:18
